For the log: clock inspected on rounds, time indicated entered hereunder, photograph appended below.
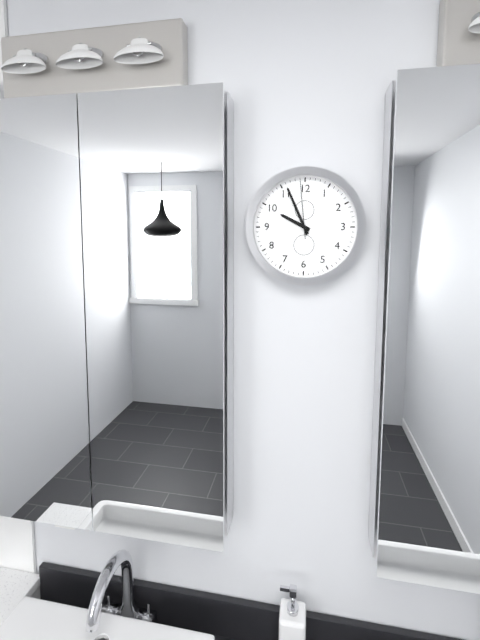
9:56:59
